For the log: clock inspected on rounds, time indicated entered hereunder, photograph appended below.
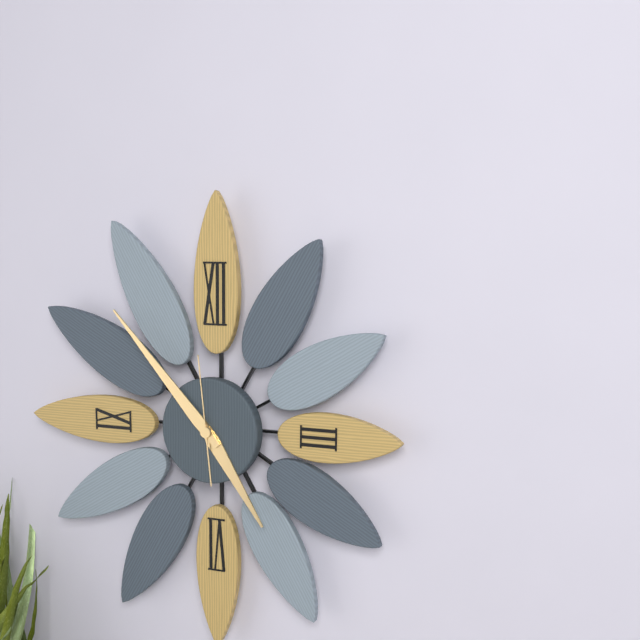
4:53:59
